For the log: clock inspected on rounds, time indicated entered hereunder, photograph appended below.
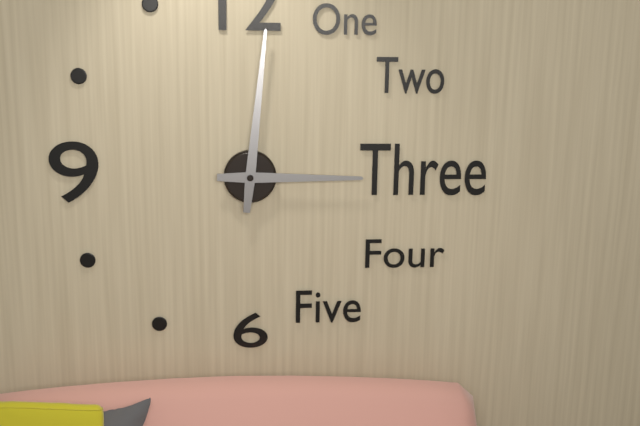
3:01
